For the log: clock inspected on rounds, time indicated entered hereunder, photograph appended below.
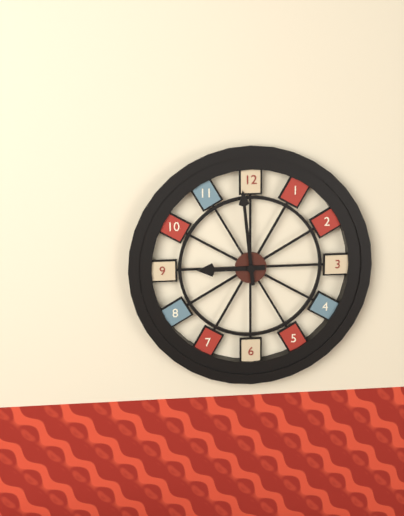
8:59
